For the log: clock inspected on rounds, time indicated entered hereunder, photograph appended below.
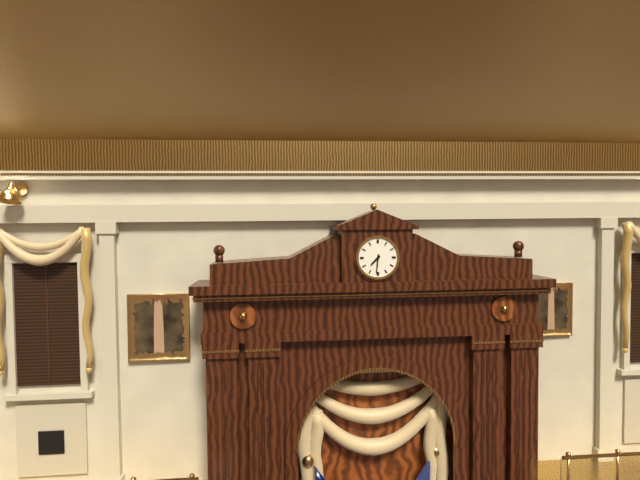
7:31
